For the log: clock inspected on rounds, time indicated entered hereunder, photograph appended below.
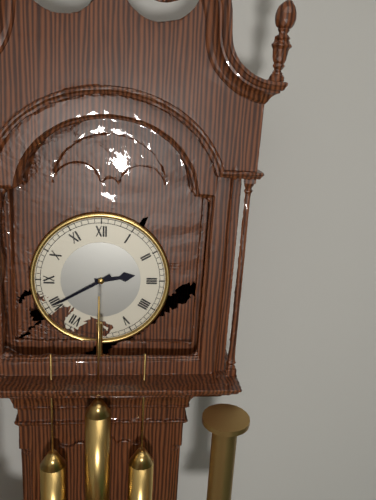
2:40
